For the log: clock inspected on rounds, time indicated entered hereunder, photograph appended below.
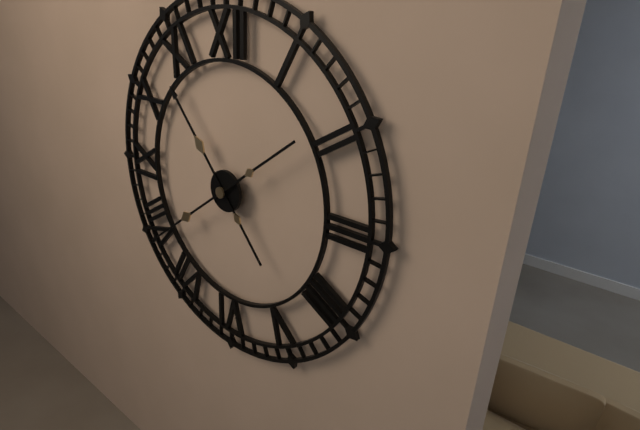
10:39
